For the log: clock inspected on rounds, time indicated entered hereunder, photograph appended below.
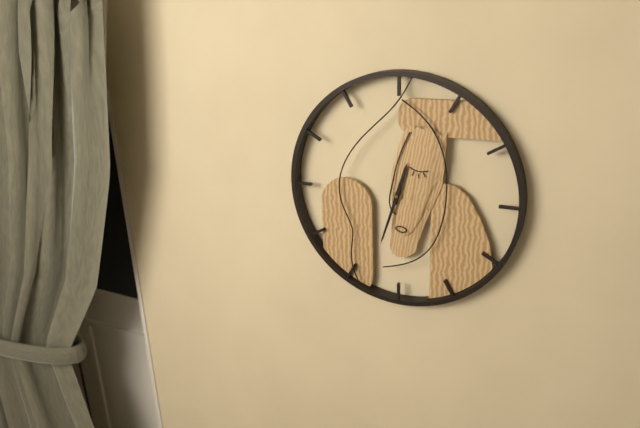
12:33
